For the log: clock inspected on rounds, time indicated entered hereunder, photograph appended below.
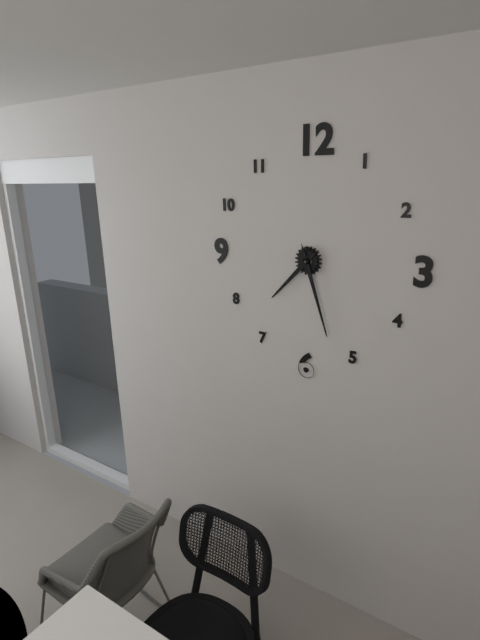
7:27
